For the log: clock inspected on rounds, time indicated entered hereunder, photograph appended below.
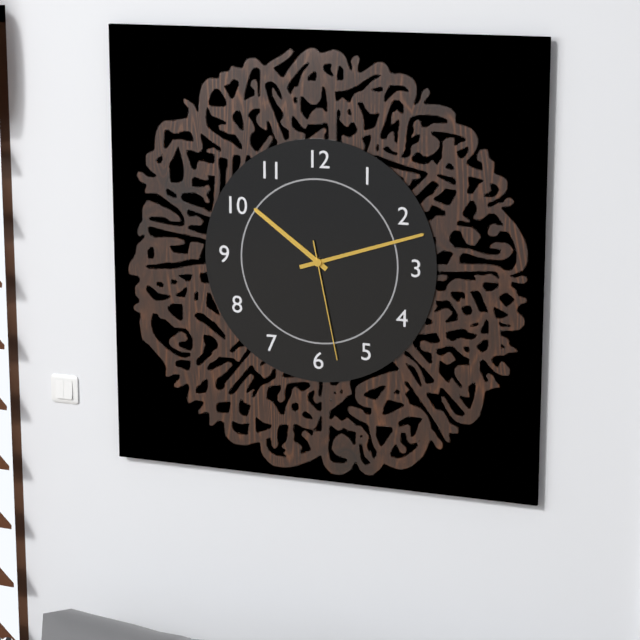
10:12:28
